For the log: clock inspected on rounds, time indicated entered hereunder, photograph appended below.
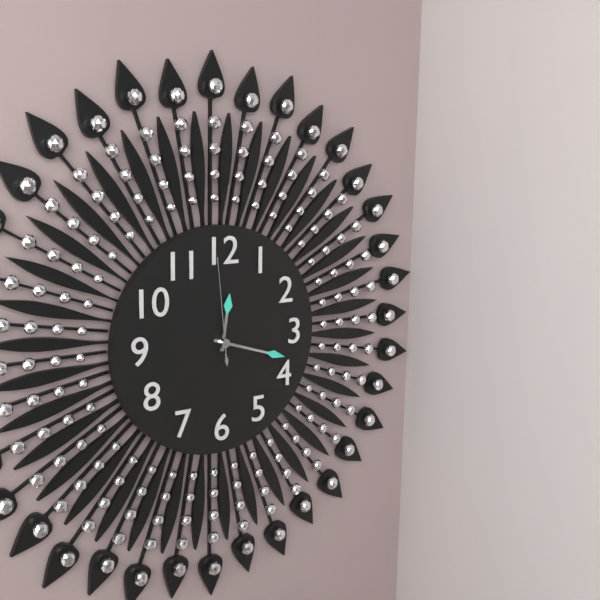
12:18:59
